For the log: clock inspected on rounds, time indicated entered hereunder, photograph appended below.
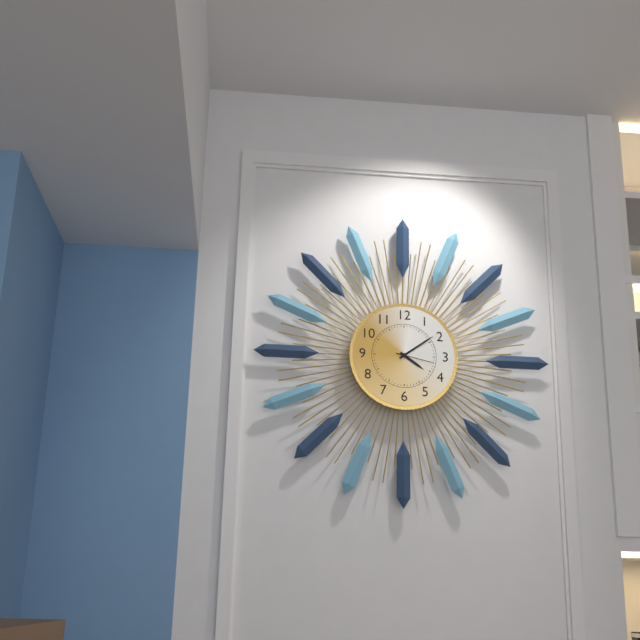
4:09
